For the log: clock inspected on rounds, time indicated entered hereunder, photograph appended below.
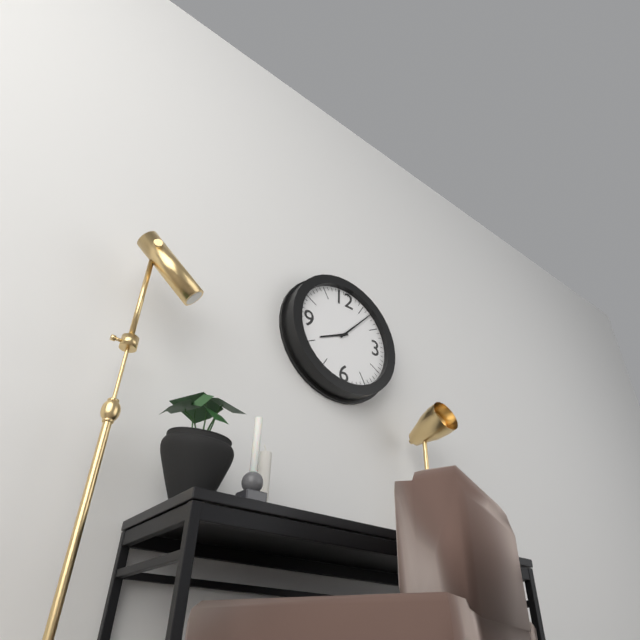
8:07
